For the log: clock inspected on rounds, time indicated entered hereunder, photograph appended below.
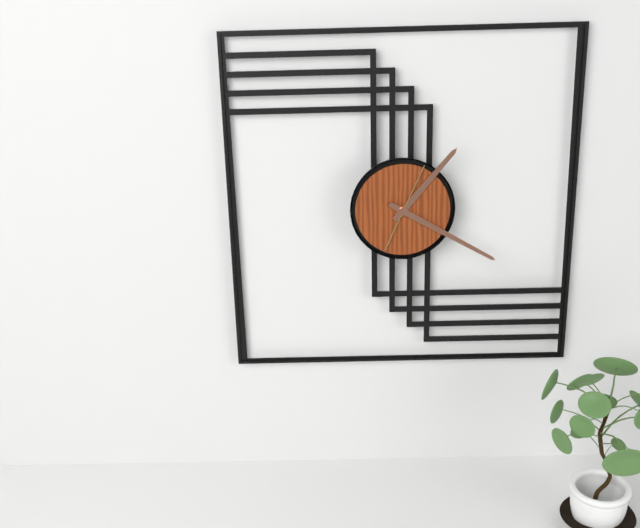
1:20:04
